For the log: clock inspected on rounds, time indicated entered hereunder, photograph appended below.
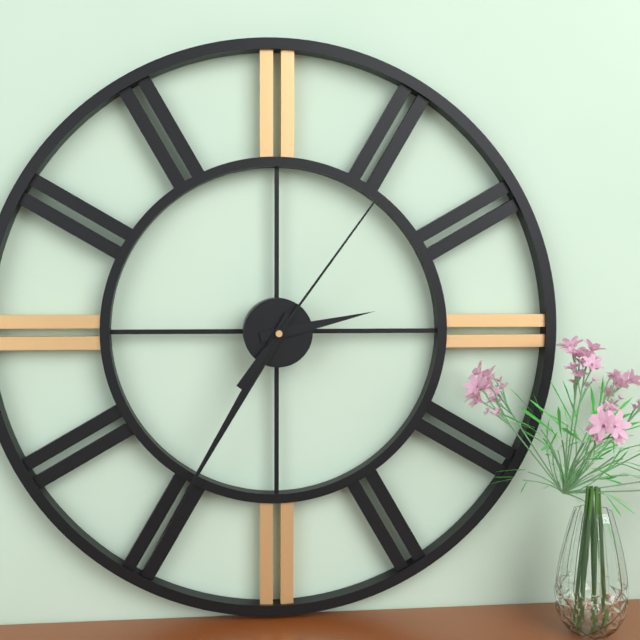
2:35:06
